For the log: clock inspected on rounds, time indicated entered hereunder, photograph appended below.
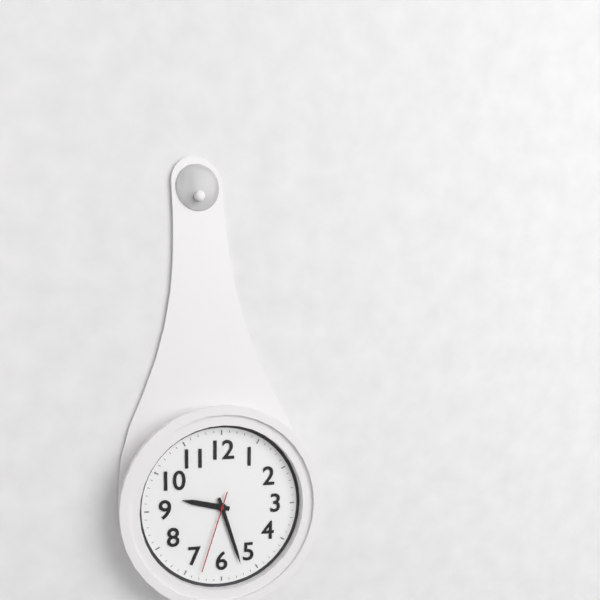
9:27:33
